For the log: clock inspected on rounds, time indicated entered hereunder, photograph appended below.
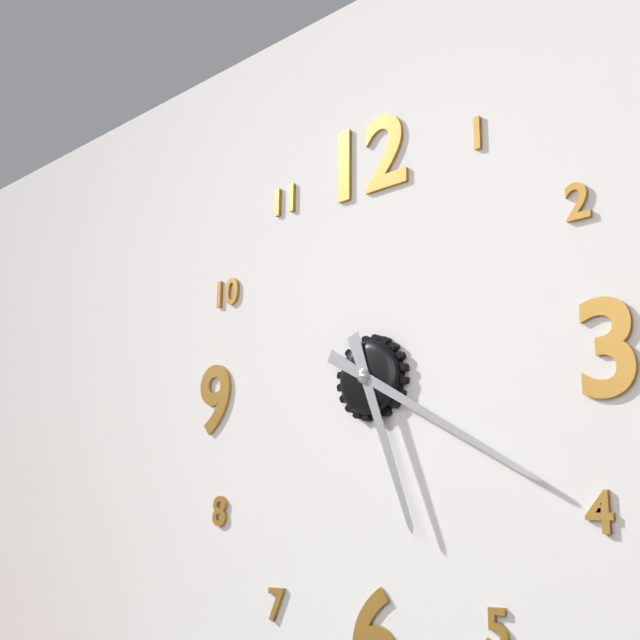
5:20
